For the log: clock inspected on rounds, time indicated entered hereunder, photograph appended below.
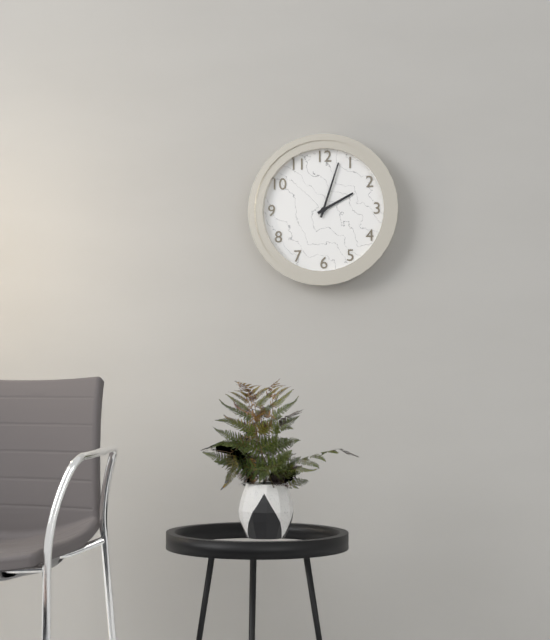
2:03
